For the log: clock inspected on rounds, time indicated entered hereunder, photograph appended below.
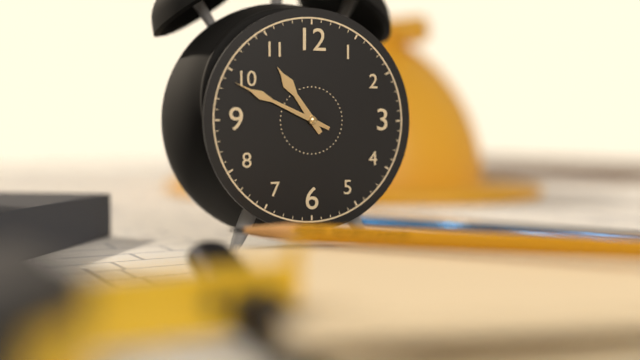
10:49
